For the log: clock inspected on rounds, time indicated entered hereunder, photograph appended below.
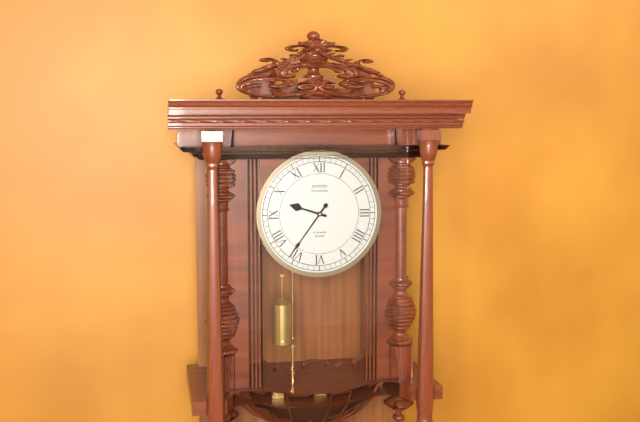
9:36
